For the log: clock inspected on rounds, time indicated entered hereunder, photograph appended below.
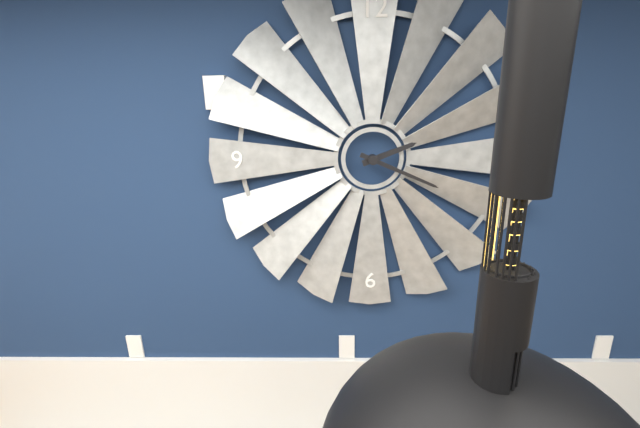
2:19
